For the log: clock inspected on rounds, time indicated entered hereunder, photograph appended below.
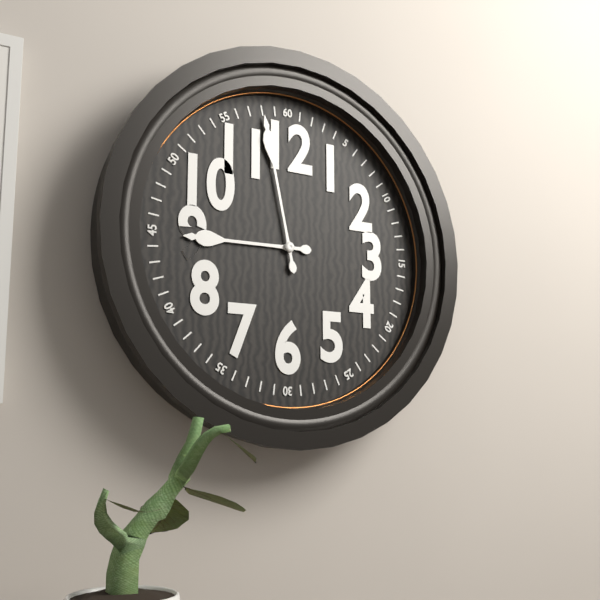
8:58
